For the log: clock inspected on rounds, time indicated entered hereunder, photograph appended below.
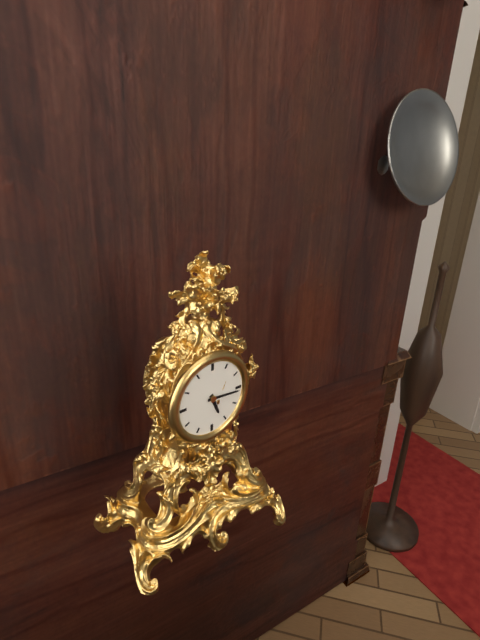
5:16
